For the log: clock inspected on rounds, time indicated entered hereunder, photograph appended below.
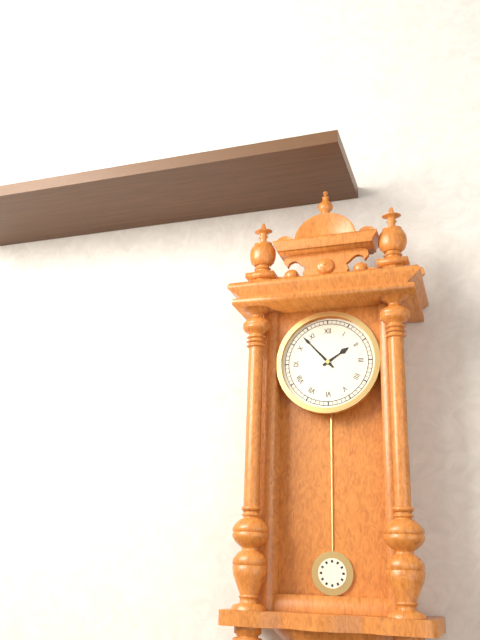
1:53
